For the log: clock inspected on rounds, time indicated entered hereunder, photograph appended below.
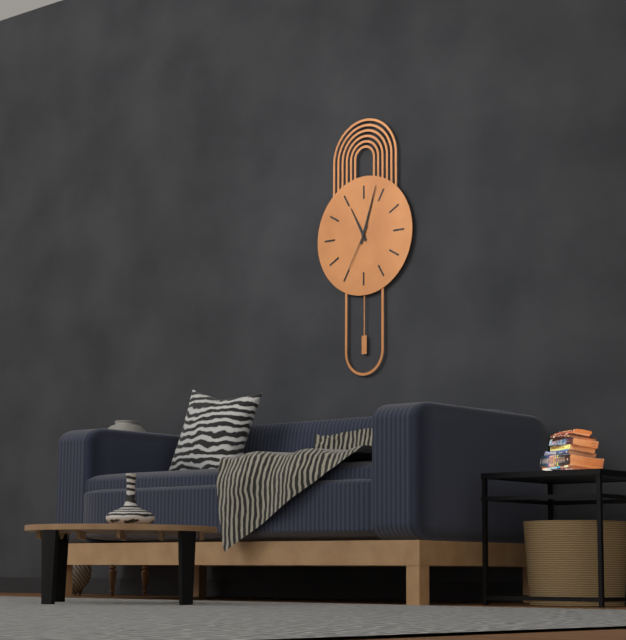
11:03
